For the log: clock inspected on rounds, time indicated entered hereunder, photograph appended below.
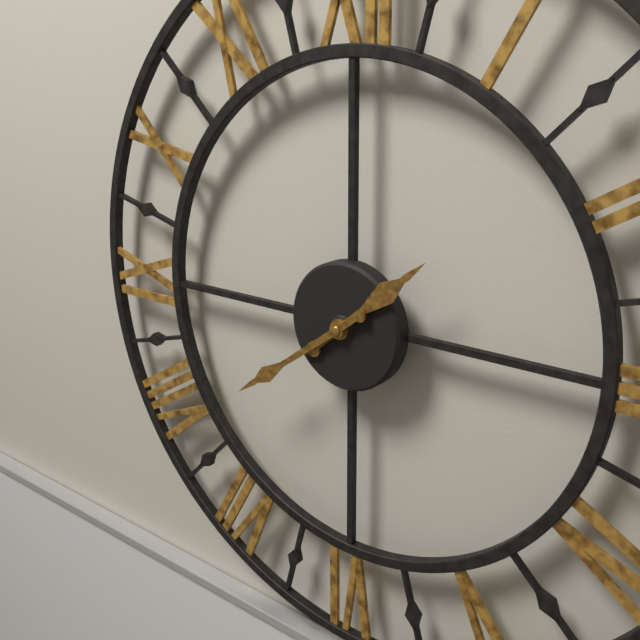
1:39
